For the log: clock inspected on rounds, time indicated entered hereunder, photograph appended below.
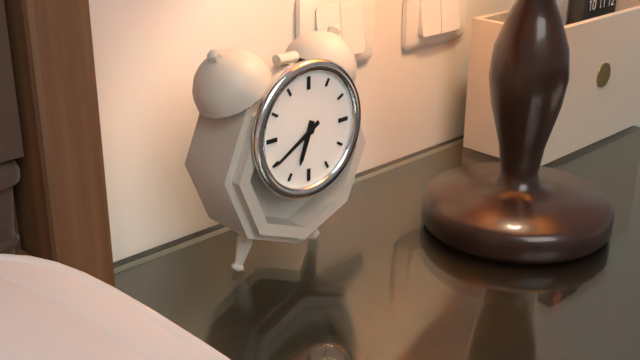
6:40
